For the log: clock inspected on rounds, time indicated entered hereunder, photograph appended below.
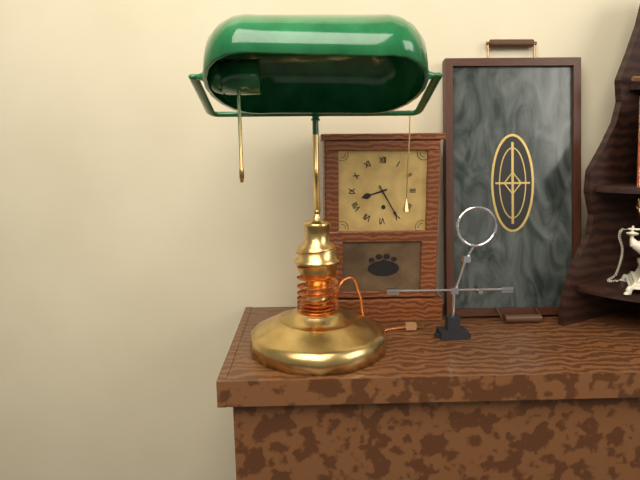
8:25
